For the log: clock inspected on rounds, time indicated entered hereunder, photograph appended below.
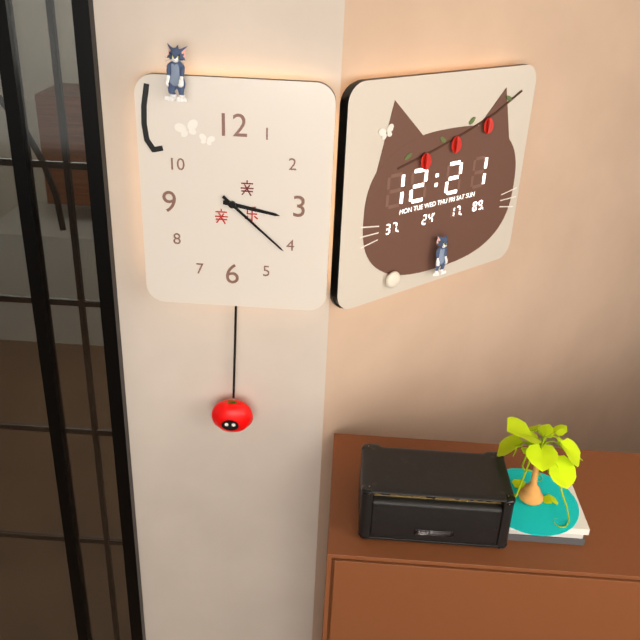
3:22
